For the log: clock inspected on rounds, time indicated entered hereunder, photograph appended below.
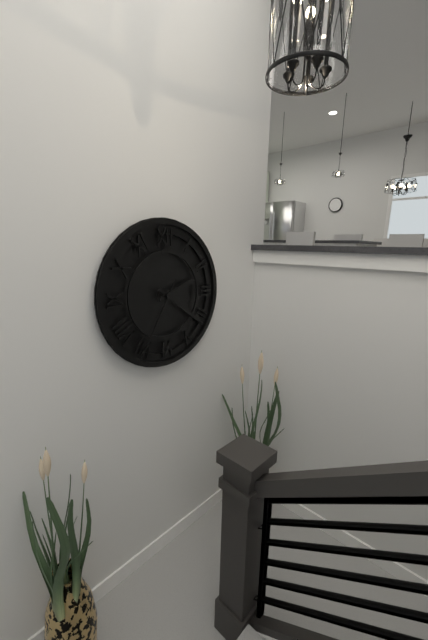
2:21:35
